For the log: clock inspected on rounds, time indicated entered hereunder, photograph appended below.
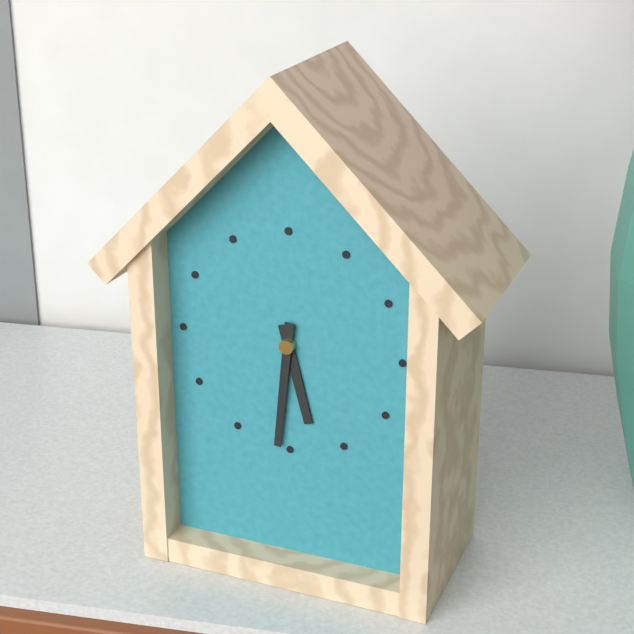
5:31
